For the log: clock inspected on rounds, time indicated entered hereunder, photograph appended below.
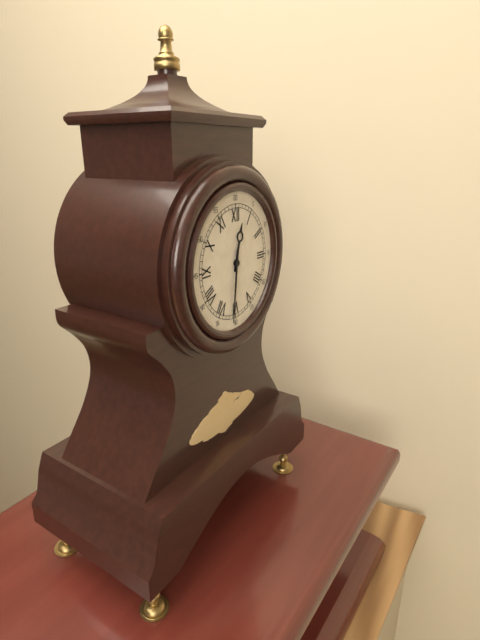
12:31
